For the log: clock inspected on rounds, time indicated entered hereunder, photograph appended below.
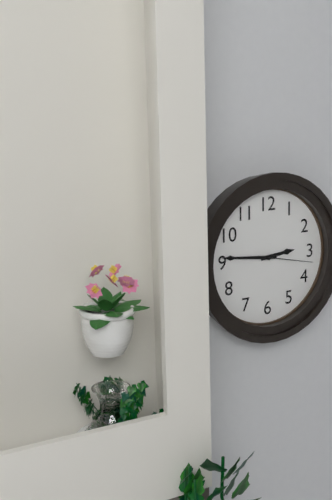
2:46:17
